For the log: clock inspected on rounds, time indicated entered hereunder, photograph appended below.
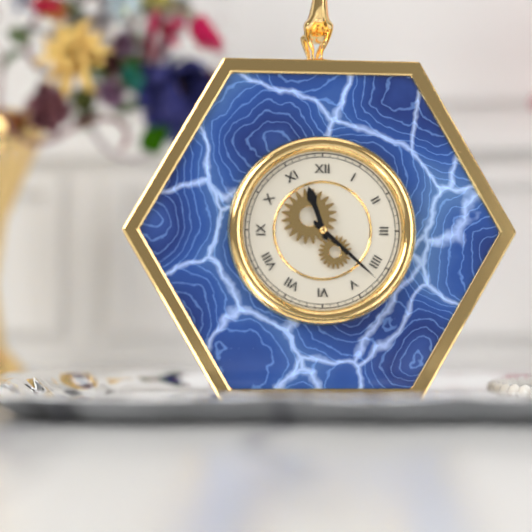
11:22
